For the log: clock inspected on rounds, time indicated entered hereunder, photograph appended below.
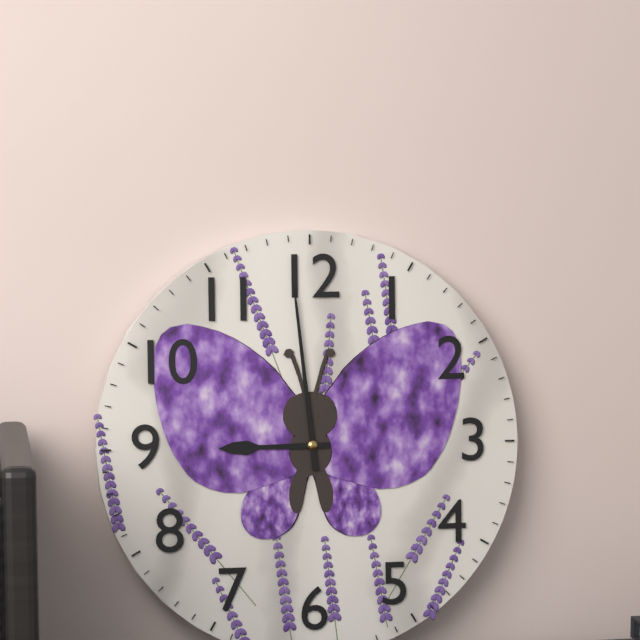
8:59
